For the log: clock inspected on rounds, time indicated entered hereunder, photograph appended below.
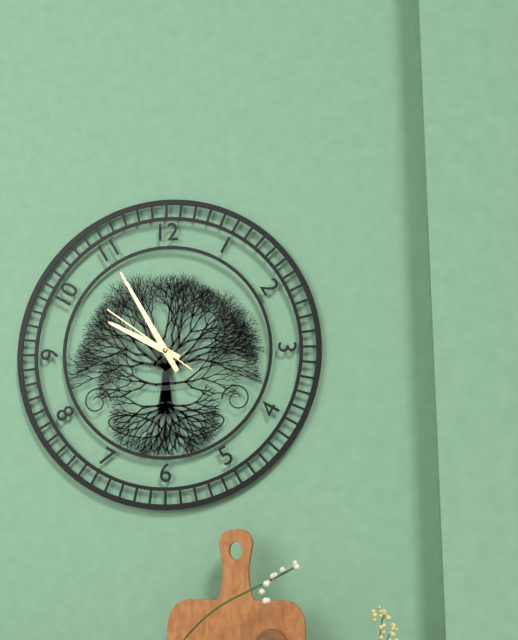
9:55:51
